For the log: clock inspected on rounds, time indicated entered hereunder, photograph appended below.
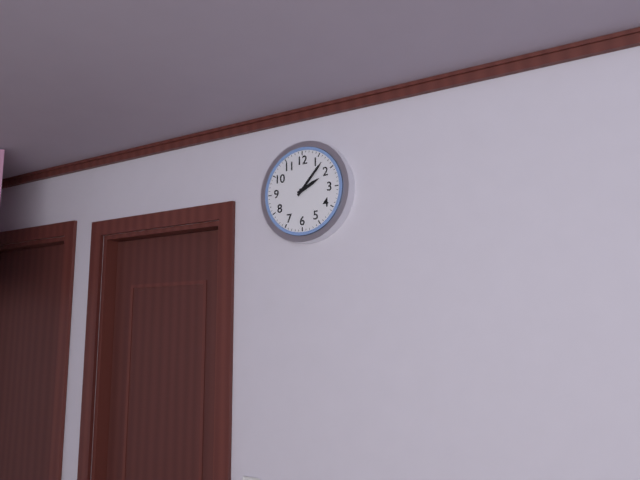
2:07
